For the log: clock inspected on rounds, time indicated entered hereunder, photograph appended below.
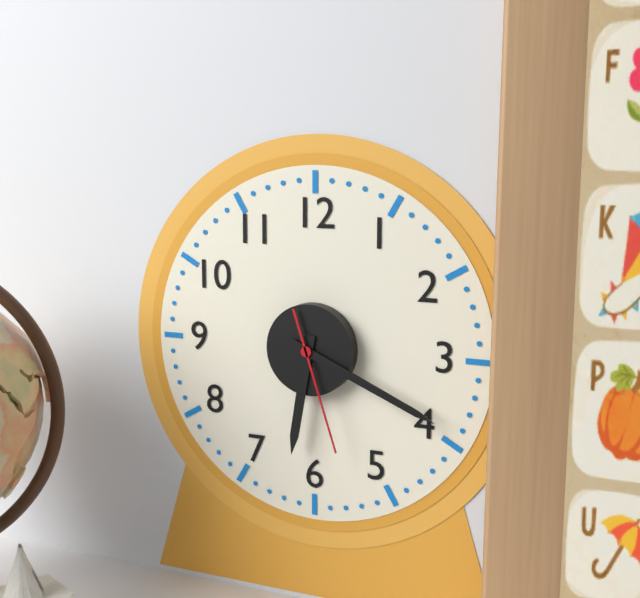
6:19:27
